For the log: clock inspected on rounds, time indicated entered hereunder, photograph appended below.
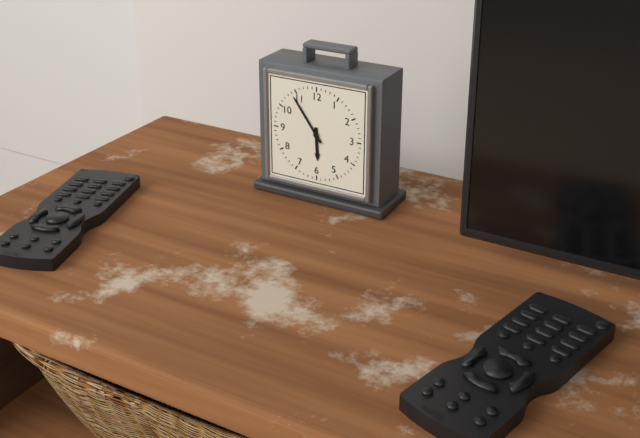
5:54
